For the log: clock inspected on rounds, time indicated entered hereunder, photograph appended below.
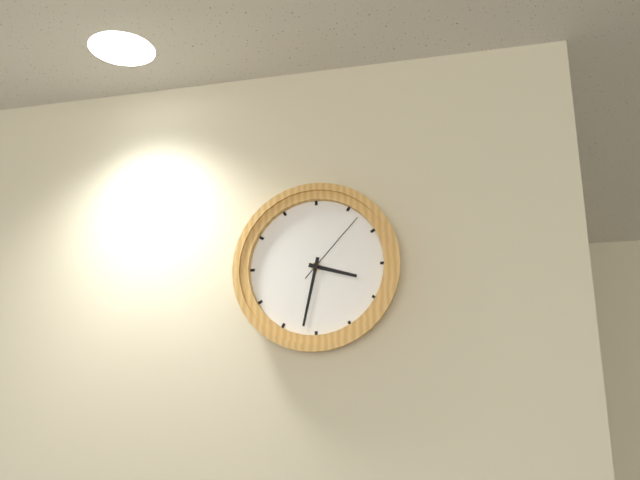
3:32:07
